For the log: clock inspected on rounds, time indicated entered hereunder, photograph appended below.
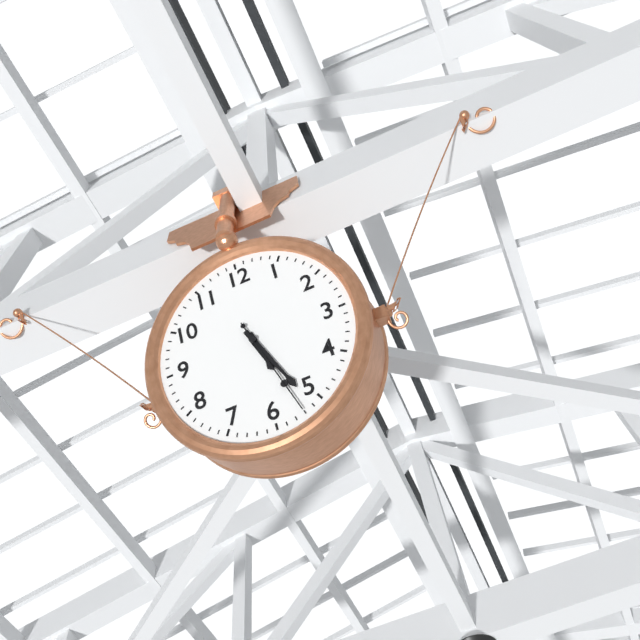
5:26:27
